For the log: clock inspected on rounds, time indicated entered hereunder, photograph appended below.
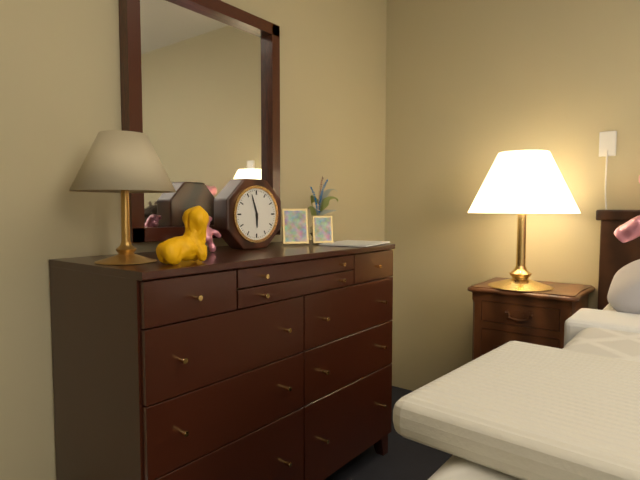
5:57
